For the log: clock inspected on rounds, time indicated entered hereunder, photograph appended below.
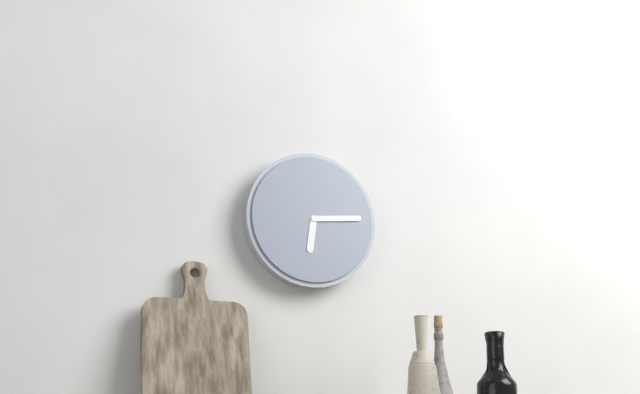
6:14
